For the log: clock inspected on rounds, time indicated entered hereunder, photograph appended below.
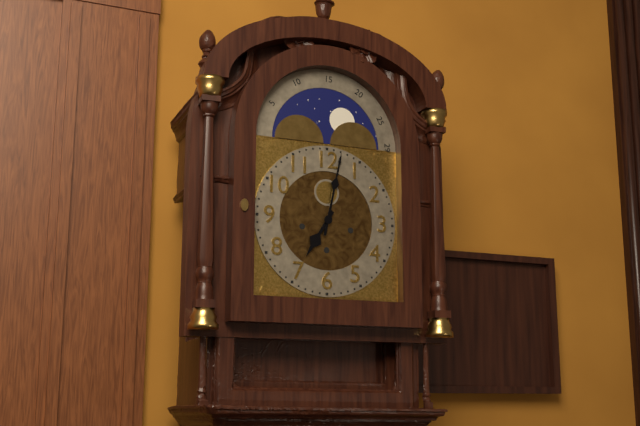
7:02
